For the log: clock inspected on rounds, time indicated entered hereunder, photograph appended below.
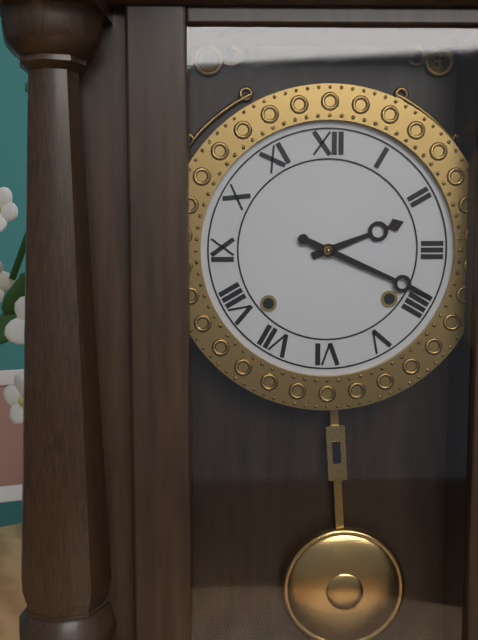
2:19
